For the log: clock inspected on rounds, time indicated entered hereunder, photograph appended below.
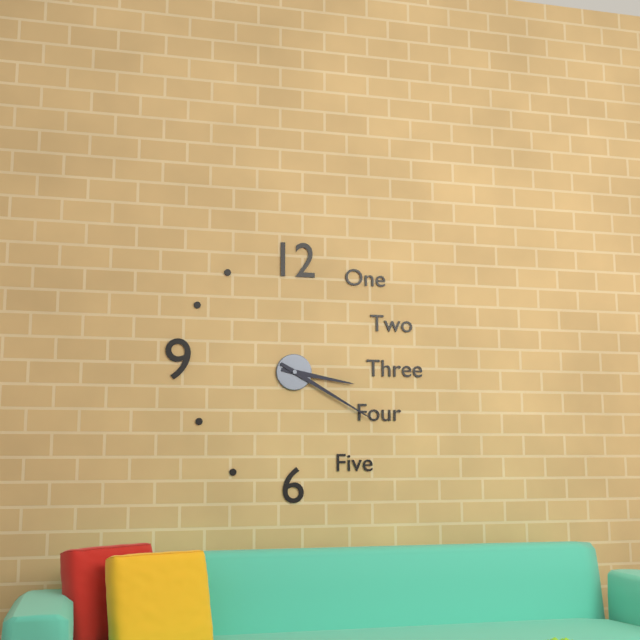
3:20
